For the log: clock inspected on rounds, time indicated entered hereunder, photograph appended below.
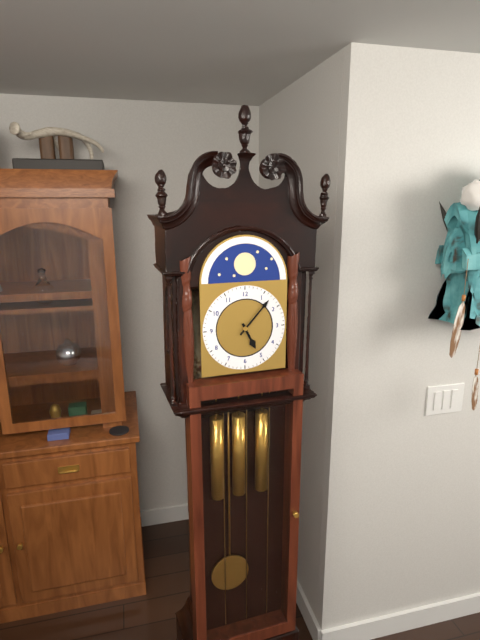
5:07
